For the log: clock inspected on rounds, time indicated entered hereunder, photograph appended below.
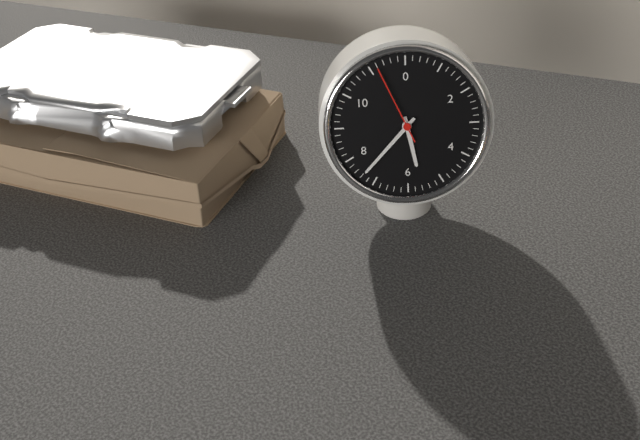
5:37:56
